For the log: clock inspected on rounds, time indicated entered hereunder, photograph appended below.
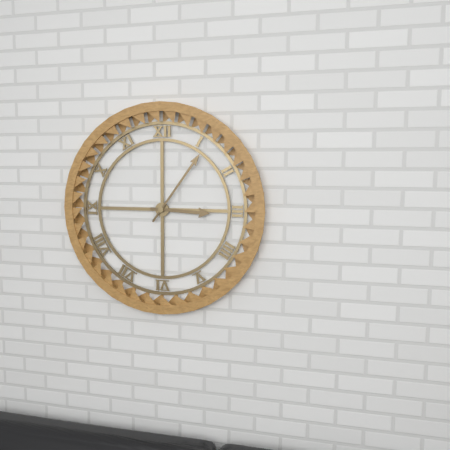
3:06
